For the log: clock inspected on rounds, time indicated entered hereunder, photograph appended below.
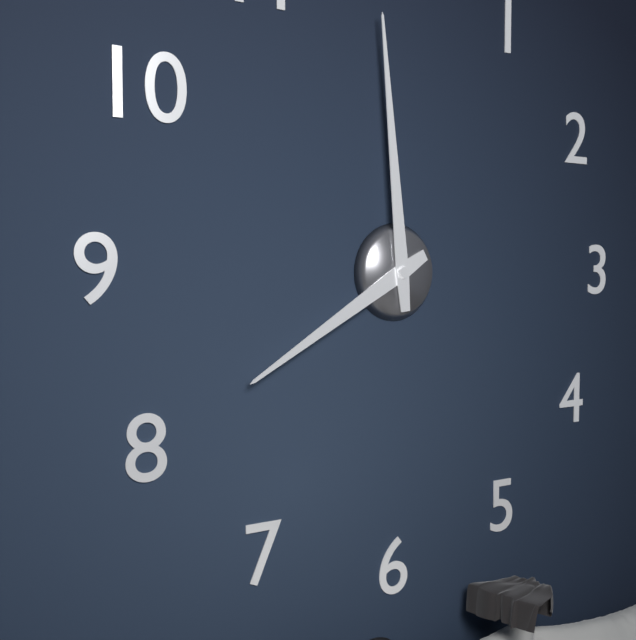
7:59
